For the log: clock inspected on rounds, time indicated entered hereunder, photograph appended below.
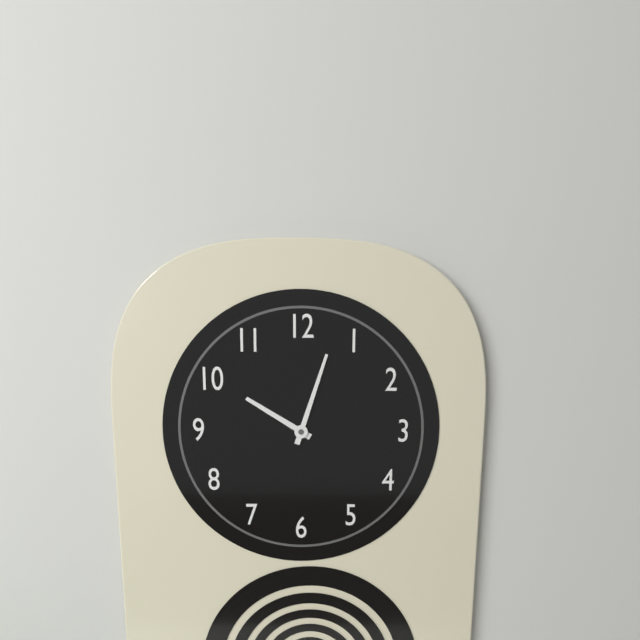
10:03
